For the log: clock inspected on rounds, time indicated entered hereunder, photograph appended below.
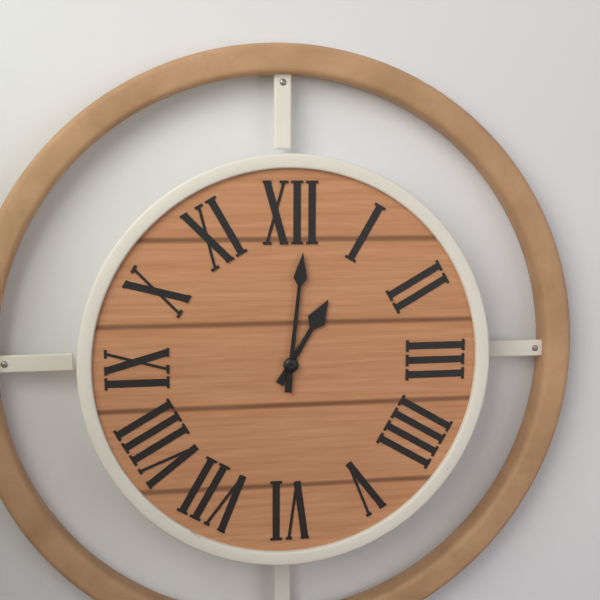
1:01
